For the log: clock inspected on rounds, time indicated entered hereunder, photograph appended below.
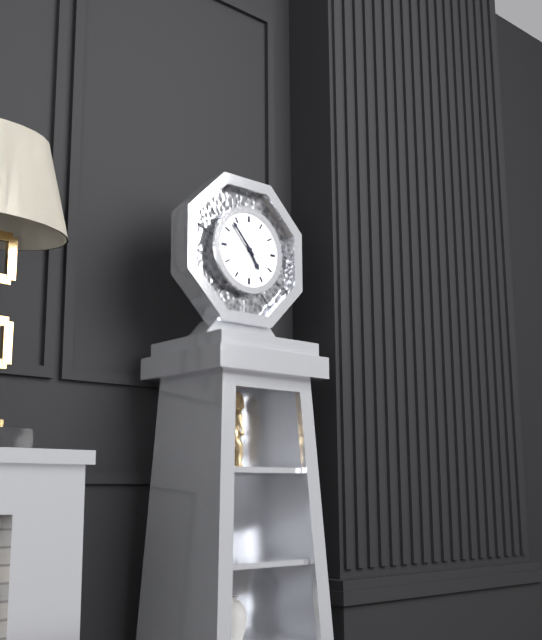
4:53
